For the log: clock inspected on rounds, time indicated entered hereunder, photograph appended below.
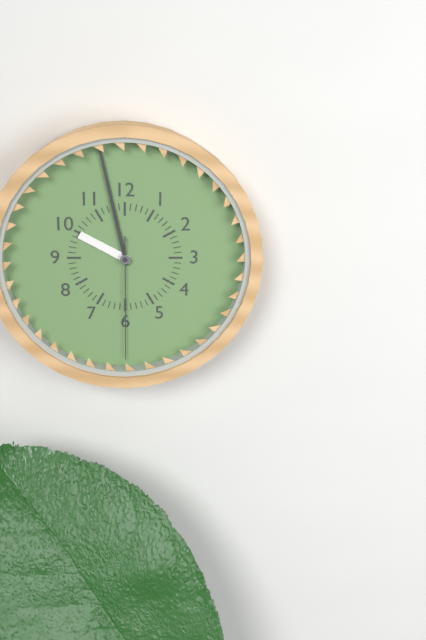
9:58:30
